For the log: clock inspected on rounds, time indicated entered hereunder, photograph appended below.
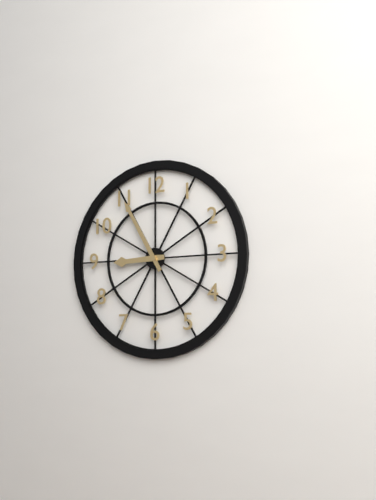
8:55
